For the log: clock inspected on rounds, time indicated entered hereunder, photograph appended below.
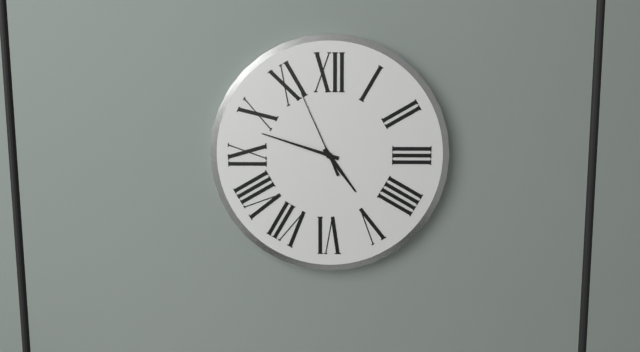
4:48:56
